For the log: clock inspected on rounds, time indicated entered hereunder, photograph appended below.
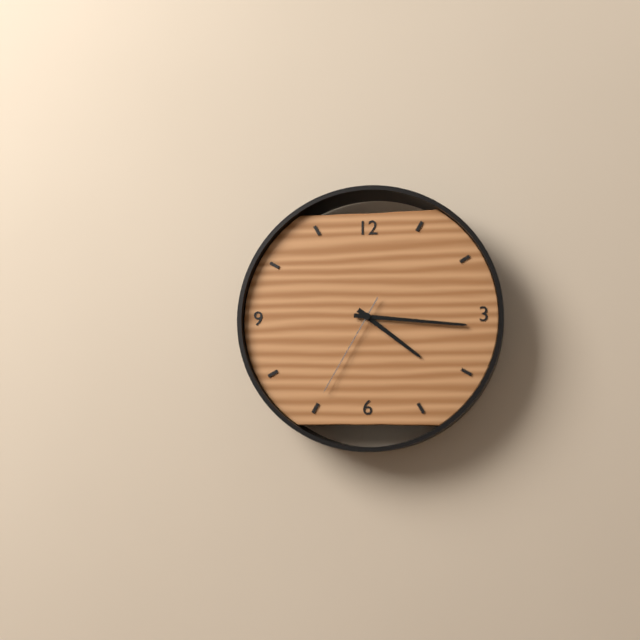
4:16:35
